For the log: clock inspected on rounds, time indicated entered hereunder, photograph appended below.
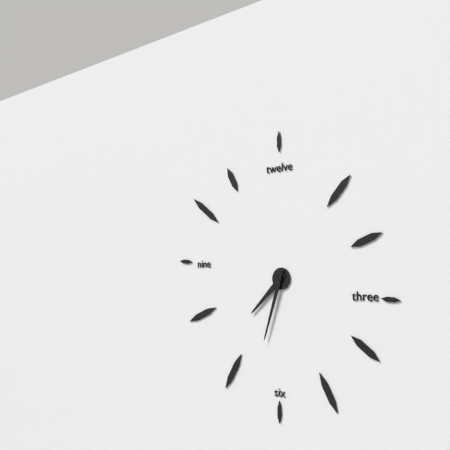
7:33
